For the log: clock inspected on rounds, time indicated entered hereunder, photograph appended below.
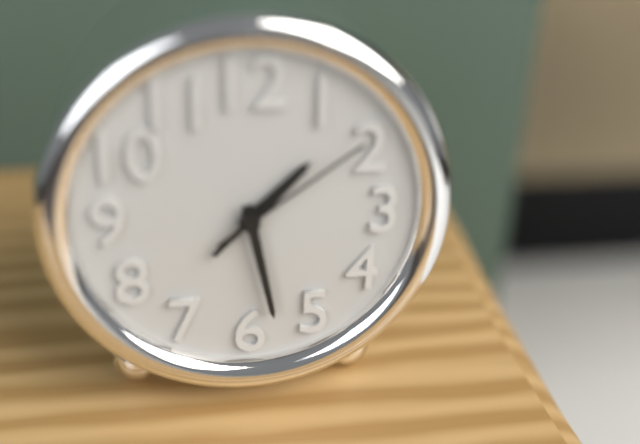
1:28:09
